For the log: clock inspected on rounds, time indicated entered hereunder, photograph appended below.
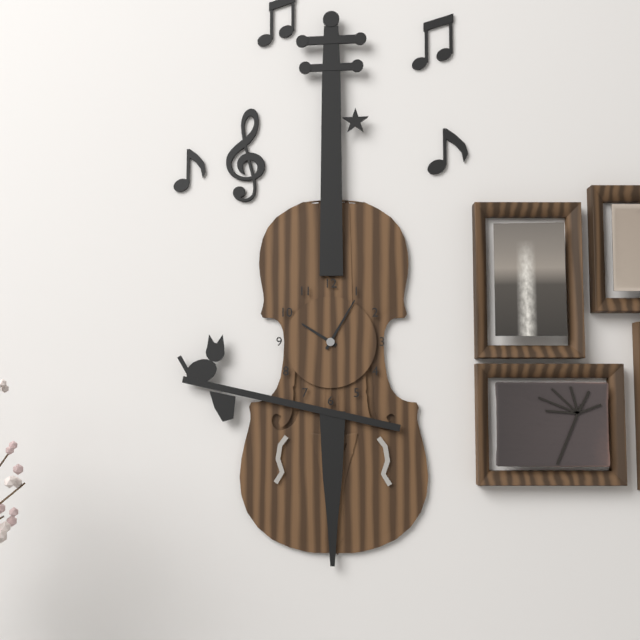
10:05
